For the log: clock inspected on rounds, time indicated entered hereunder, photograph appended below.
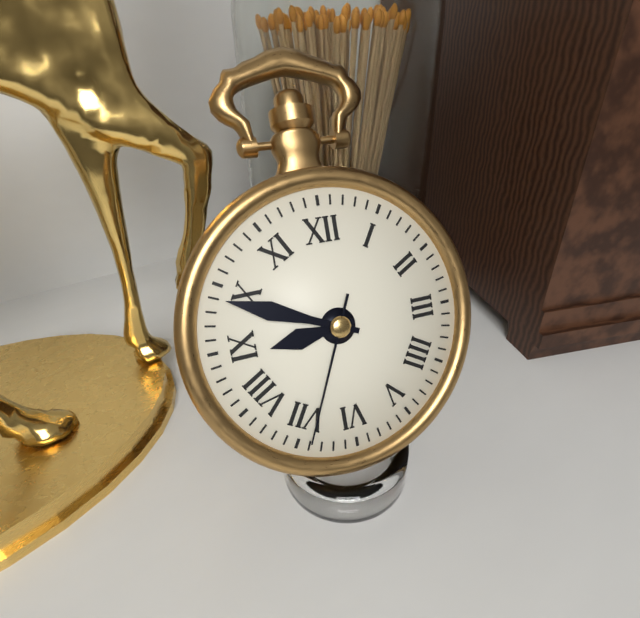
8:49:34
